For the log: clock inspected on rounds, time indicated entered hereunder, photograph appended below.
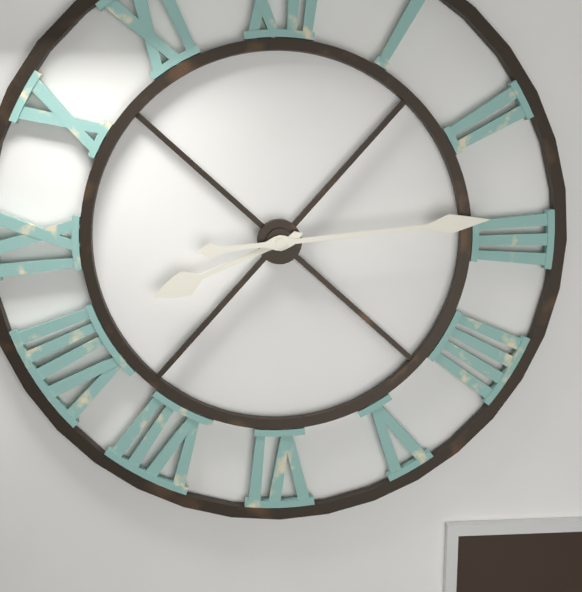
8:14
